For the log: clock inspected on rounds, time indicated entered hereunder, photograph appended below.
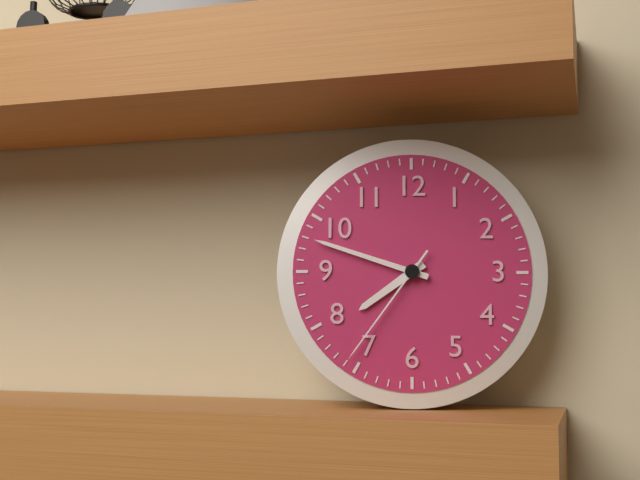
7:48:36
